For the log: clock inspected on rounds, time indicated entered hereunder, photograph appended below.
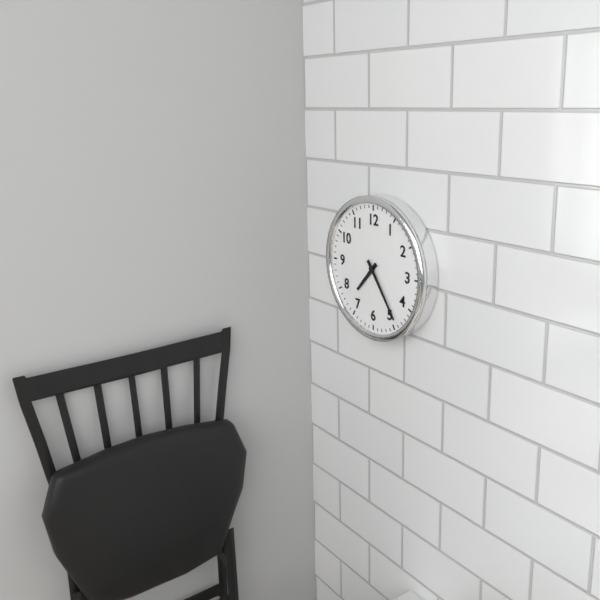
7:24
